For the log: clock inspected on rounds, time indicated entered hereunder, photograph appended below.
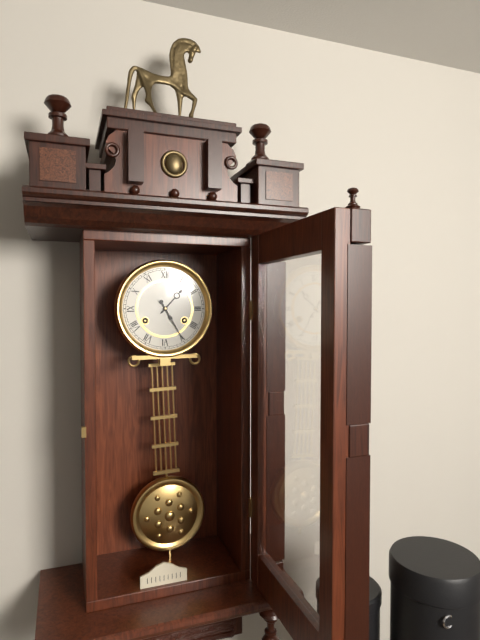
1:25
